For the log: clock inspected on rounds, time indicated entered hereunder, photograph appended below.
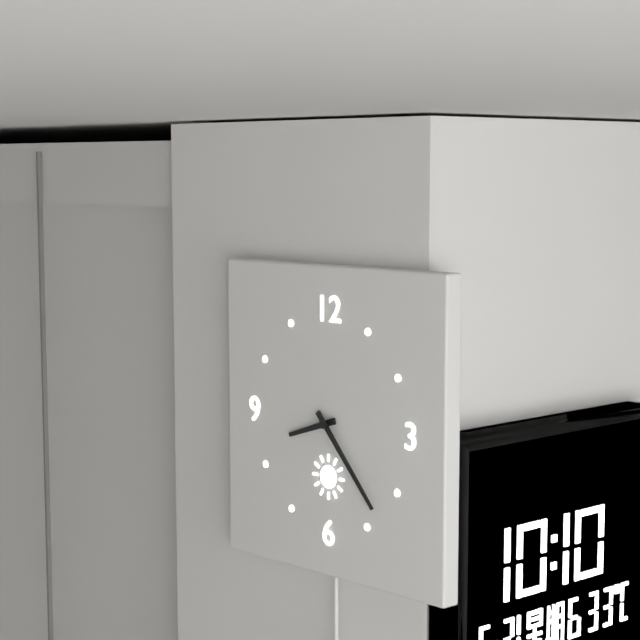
8:23
